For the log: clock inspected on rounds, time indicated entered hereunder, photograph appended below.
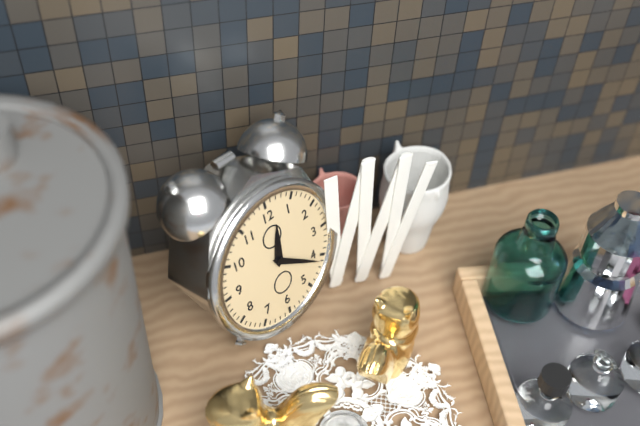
12:21
